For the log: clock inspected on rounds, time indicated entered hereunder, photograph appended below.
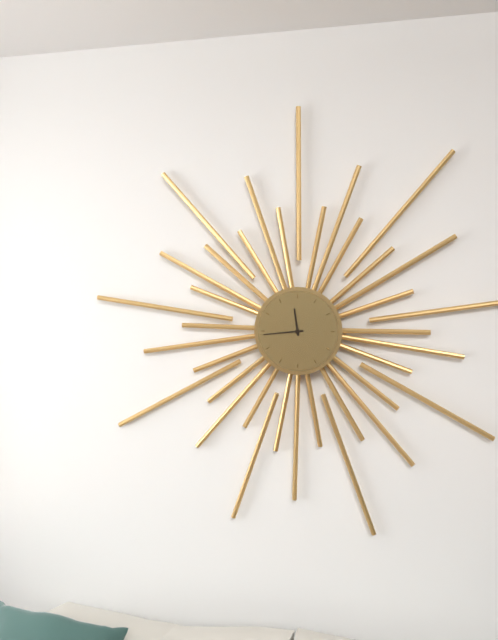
11:44
